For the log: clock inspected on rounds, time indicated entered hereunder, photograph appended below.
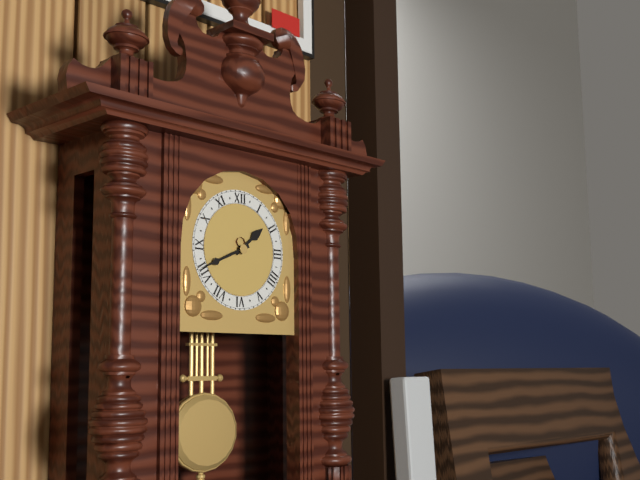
1:41
